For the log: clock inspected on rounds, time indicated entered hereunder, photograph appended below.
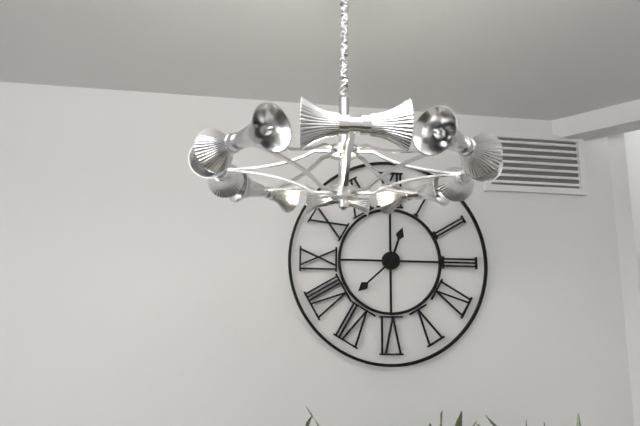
12:38
